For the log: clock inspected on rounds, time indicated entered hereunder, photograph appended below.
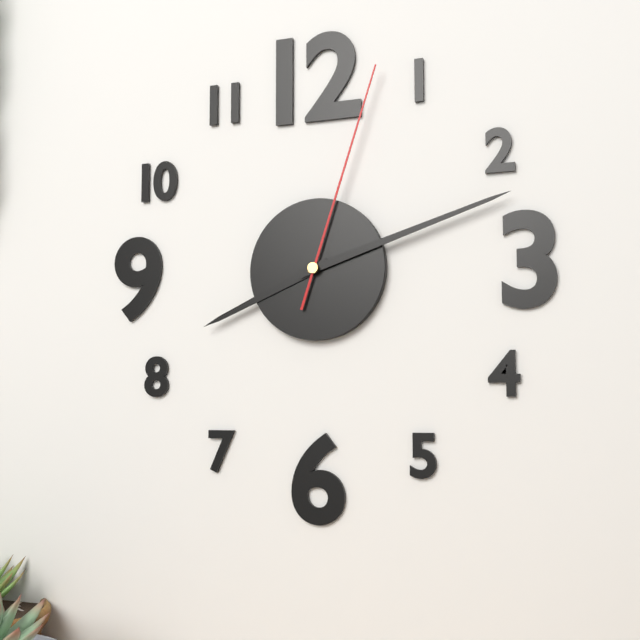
8:12:03
